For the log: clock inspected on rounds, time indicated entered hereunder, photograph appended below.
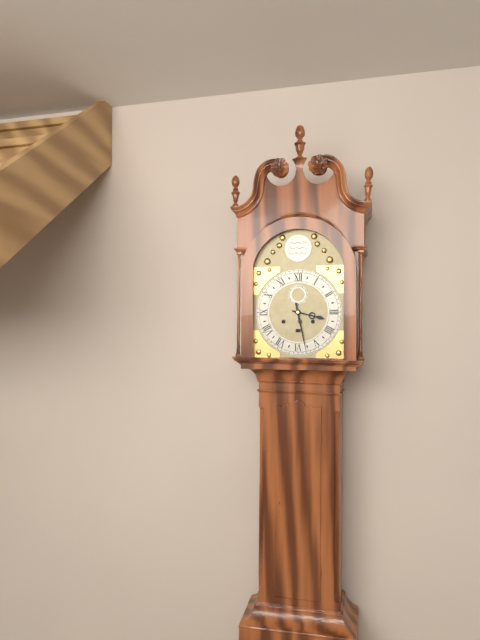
3:28
